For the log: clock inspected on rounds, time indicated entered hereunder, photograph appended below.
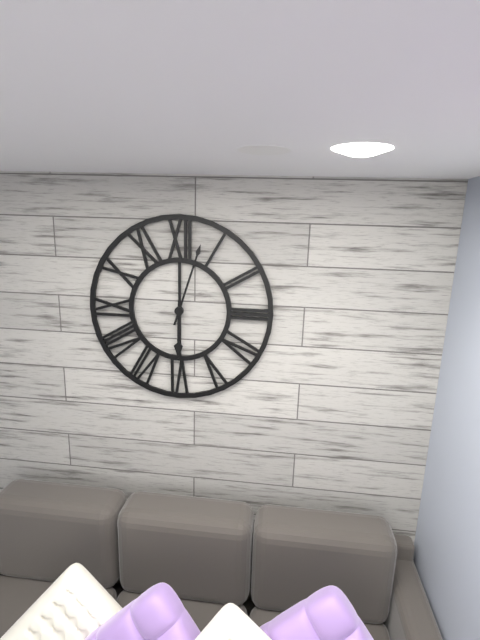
6:03
